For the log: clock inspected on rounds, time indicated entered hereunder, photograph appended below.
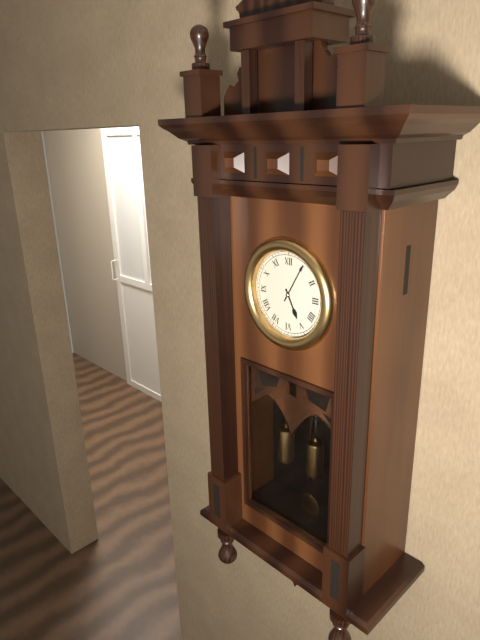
5:05
